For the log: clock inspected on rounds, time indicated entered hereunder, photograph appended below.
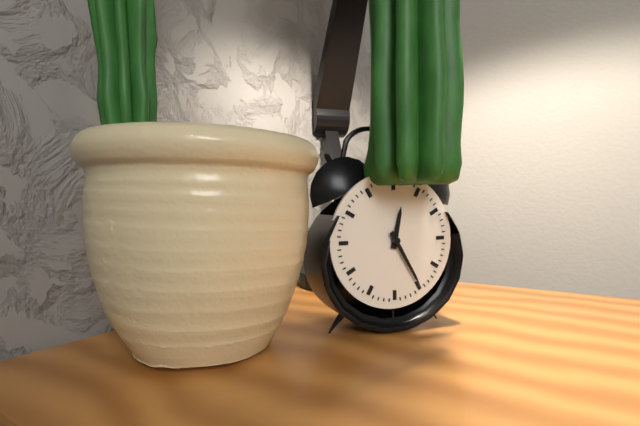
12:25
